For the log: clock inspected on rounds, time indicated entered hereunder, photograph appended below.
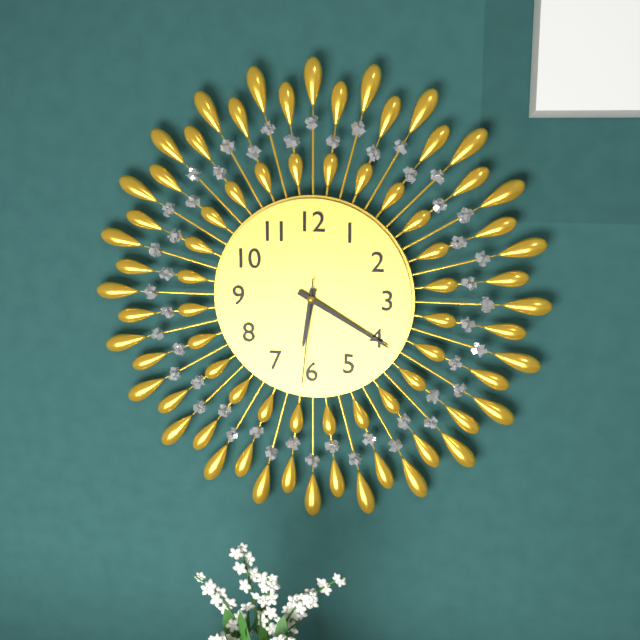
6:20:31
